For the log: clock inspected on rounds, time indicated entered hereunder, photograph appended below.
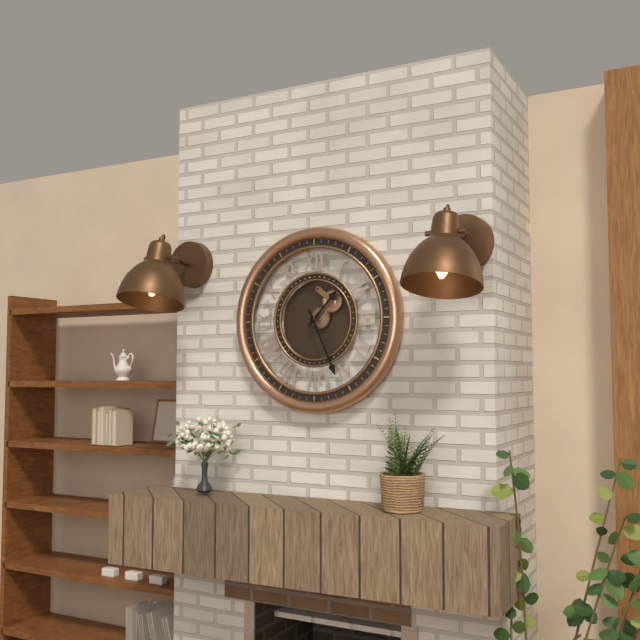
1:26
